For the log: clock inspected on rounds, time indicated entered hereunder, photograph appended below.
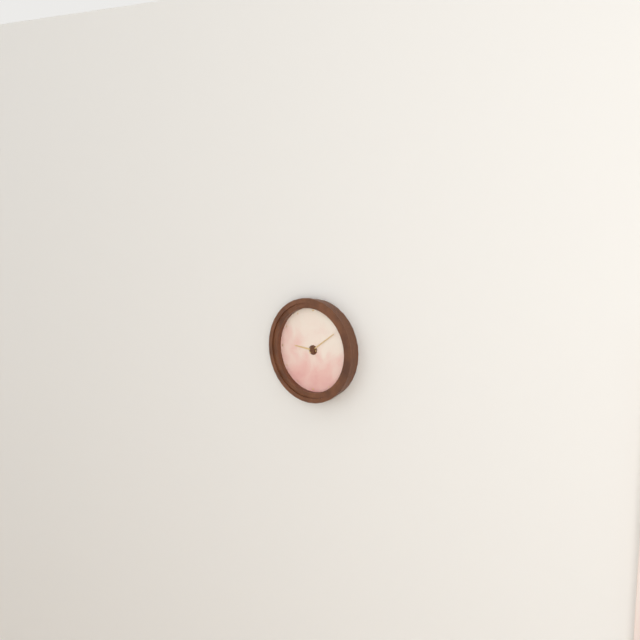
9:09
